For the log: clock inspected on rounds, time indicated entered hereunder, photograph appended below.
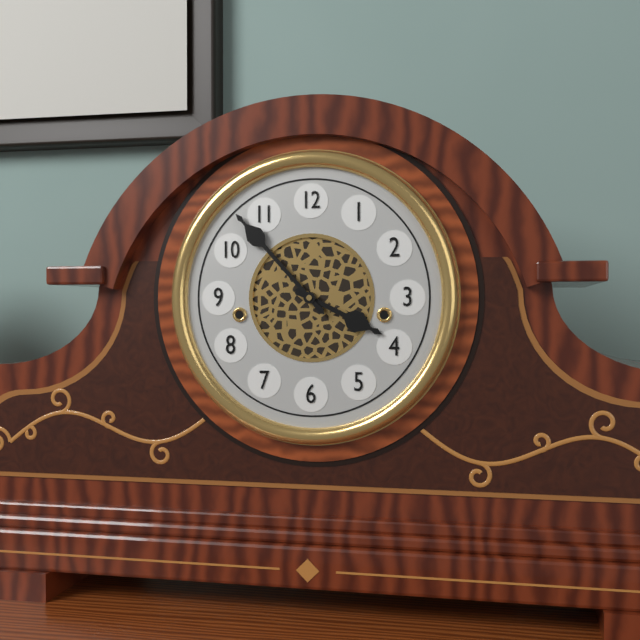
3:53
